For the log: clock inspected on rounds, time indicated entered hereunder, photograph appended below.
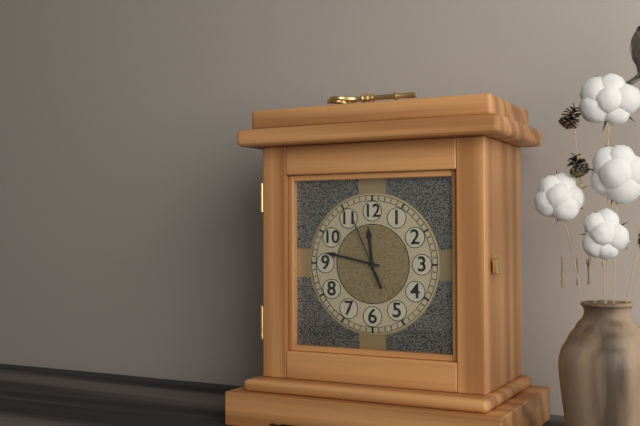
11:47:56
